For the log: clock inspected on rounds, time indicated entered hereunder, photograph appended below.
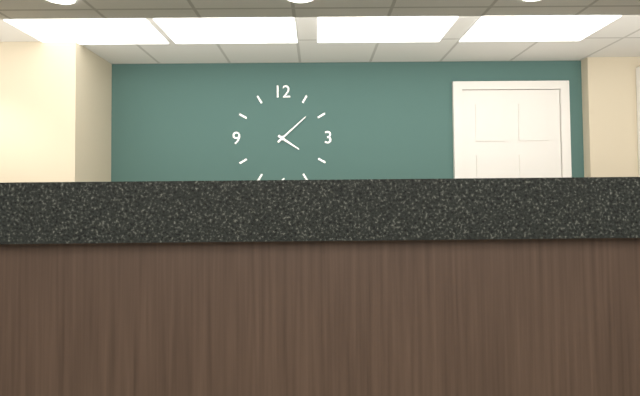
4:08
